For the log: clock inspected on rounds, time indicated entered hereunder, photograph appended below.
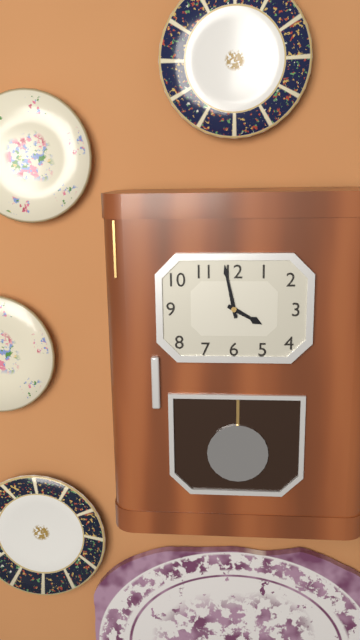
3:58
